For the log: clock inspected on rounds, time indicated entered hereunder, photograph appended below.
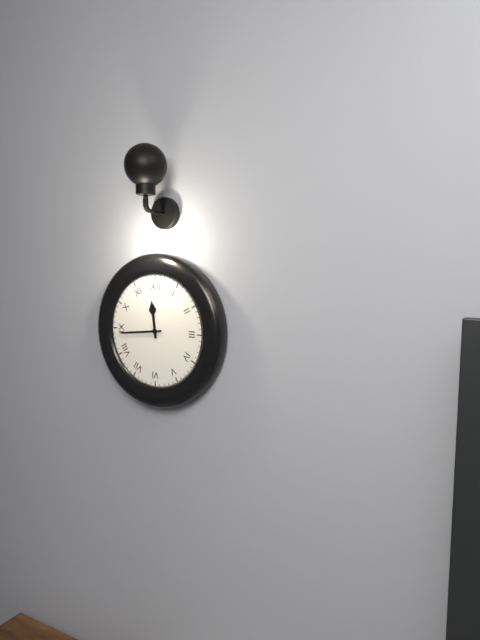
11:44
